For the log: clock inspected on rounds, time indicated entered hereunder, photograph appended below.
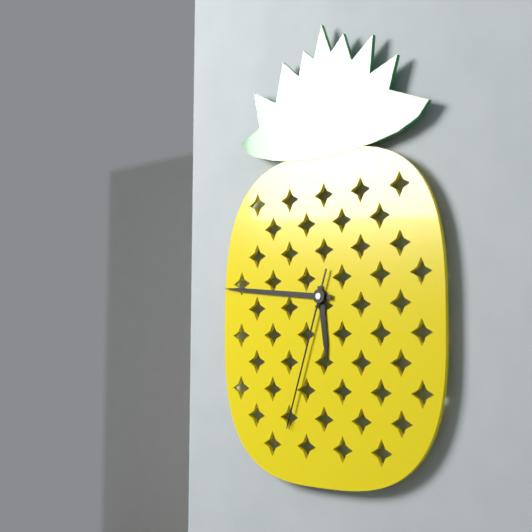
5:46:33
